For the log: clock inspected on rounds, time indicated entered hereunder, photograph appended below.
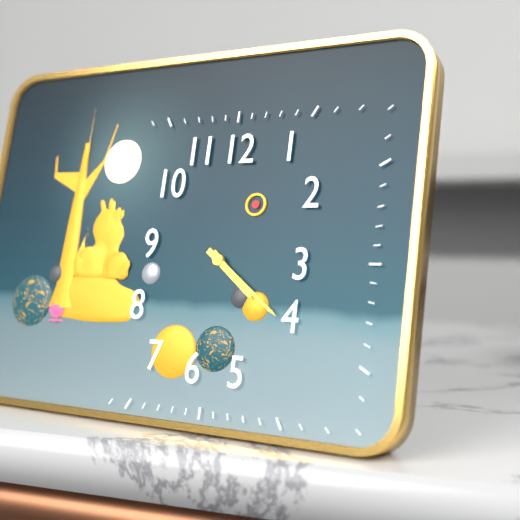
4:21
